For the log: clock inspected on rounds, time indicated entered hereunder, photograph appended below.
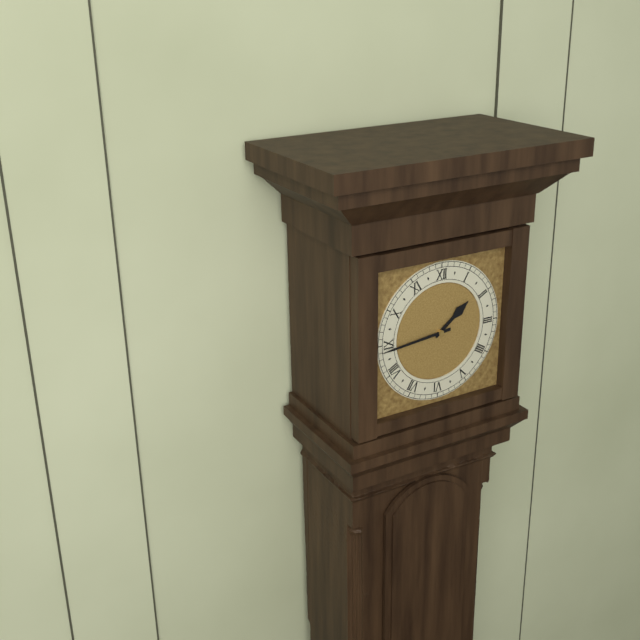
1:44
